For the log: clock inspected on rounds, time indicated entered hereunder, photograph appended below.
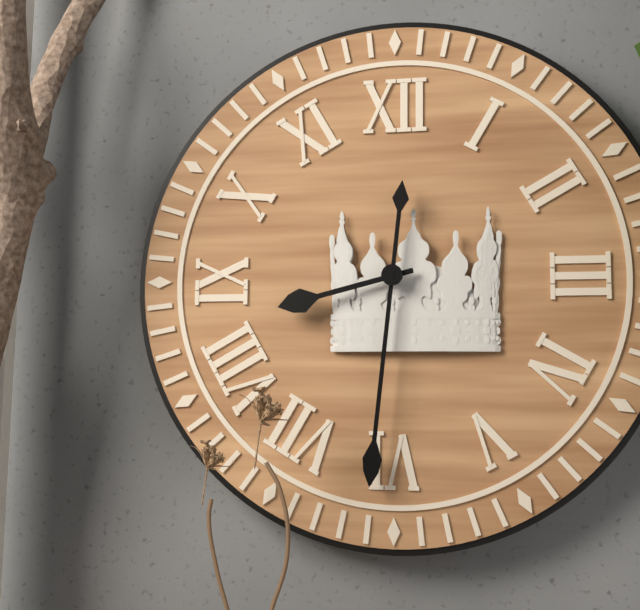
8:31
